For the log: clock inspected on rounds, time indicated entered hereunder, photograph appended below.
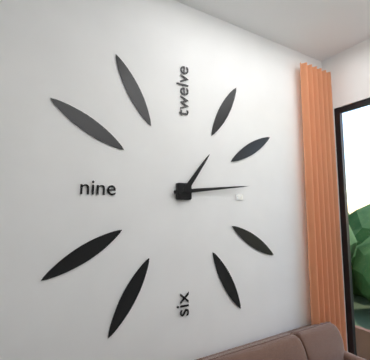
1:14
